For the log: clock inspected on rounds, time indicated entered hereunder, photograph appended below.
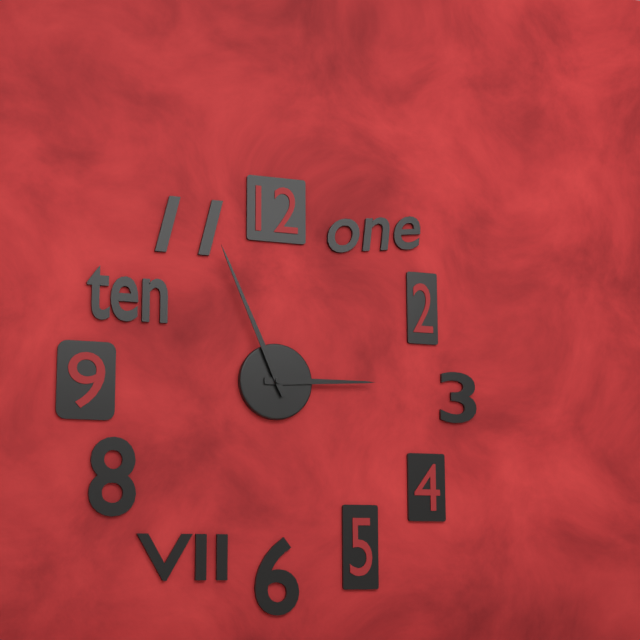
2:56
